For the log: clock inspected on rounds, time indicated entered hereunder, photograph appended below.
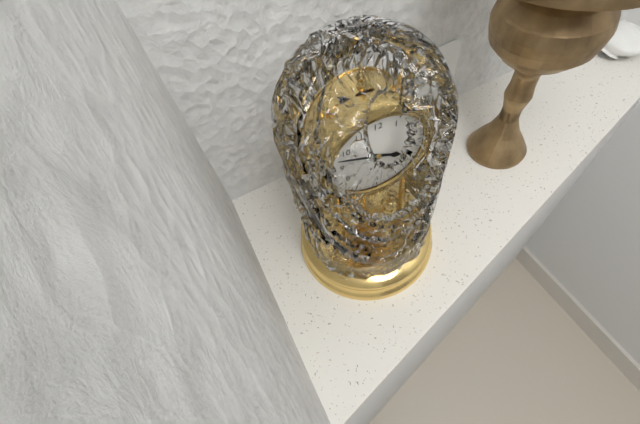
3:48
